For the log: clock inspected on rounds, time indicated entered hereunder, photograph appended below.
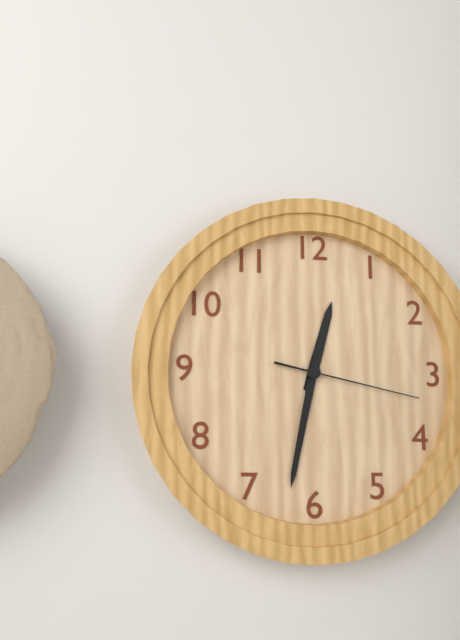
12:32:17
